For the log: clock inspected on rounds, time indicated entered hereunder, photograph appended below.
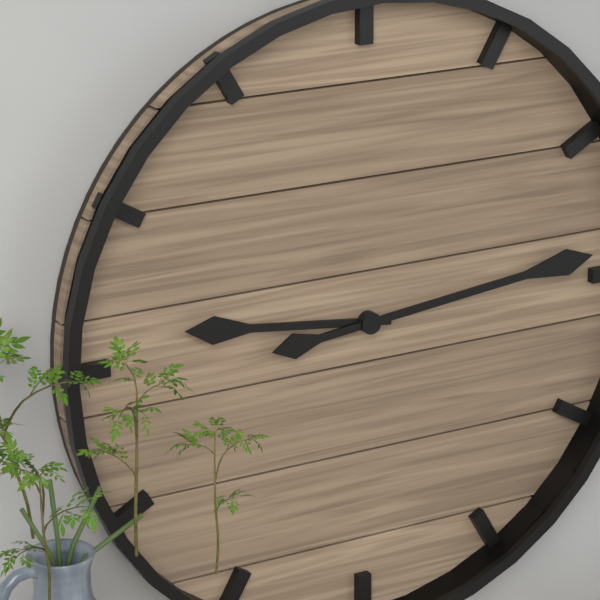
9:14
